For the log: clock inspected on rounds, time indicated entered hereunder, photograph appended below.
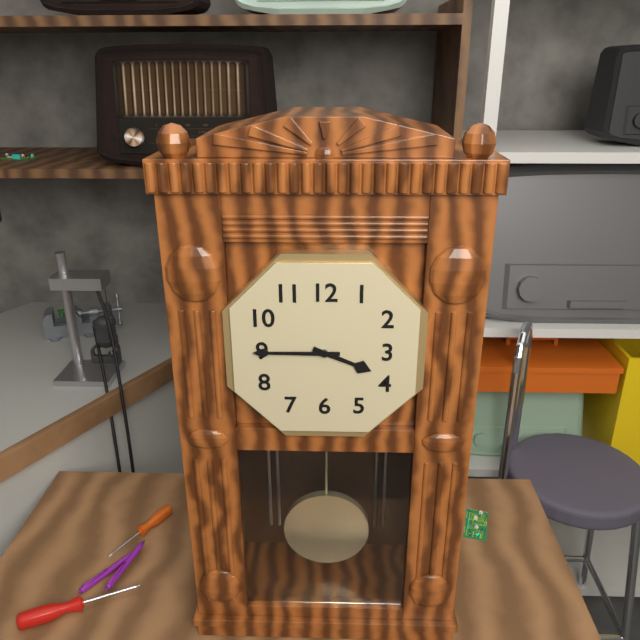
3:45
